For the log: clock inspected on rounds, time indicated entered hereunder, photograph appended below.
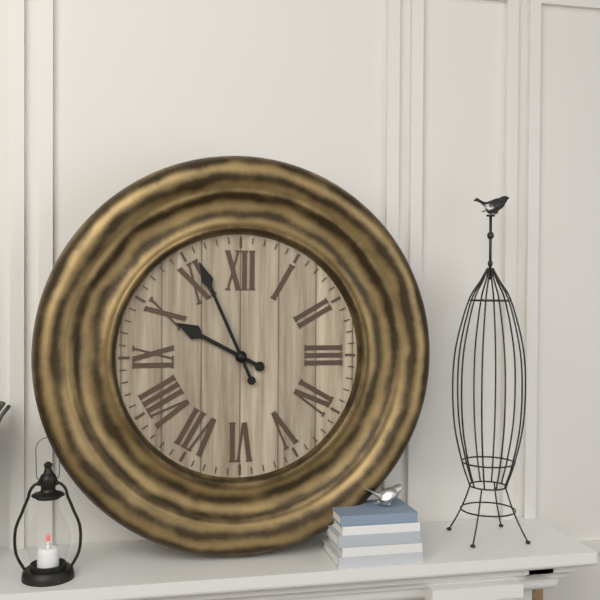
9:56
